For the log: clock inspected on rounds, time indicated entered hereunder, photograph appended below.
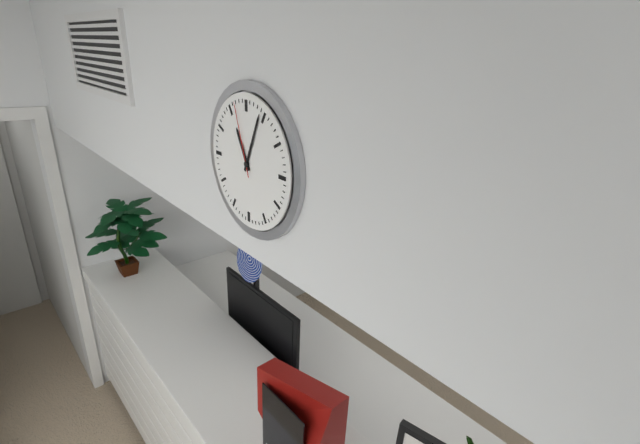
11:04:57
